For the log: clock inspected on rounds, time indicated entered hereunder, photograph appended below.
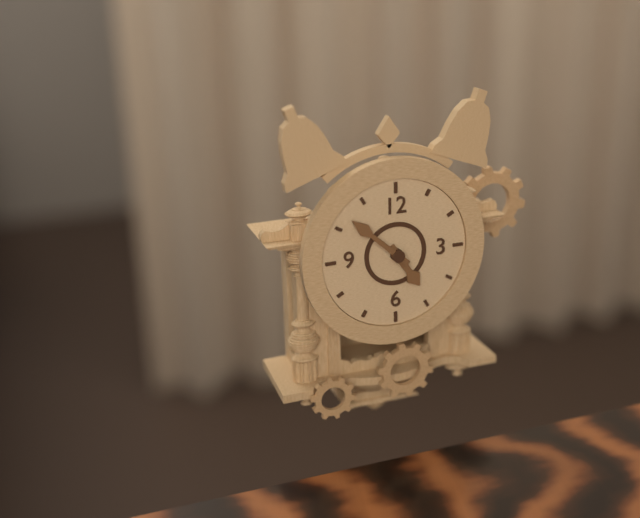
4:52
